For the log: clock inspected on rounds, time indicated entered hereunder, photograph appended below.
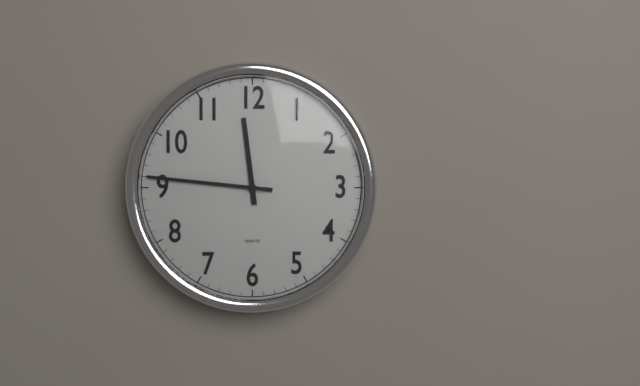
11:46
